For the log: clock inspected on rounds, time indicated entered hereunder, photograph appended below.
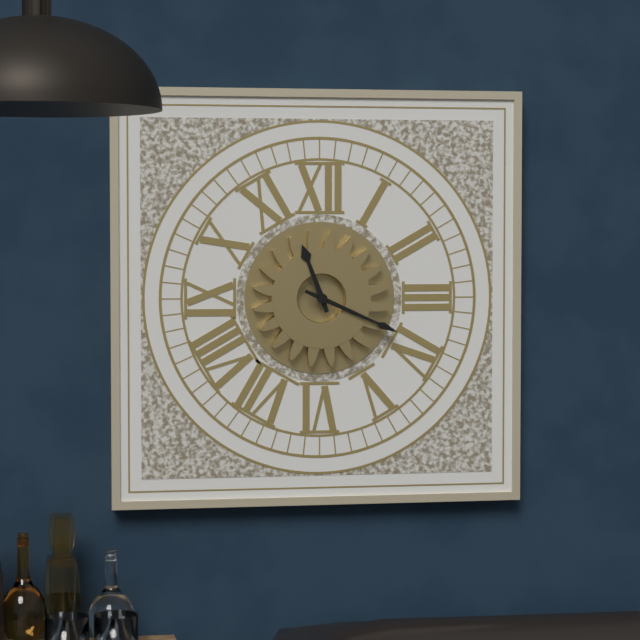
11:19
